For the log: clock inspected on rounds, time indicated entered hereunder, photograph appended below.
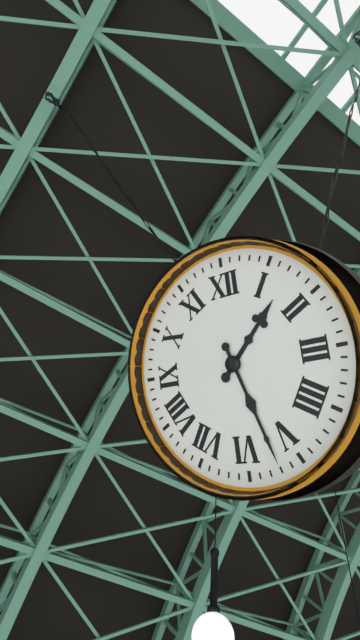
1:27
